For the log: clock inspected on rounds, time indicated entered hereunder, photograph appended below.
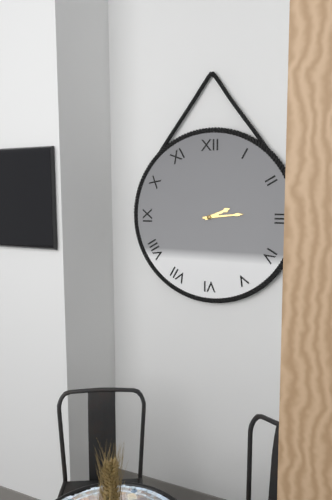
2:14
